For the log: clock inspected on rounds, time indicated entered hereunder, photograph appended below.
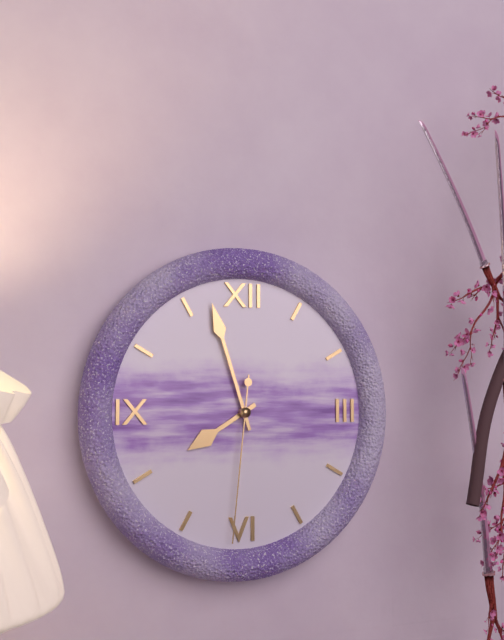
7:57:31
